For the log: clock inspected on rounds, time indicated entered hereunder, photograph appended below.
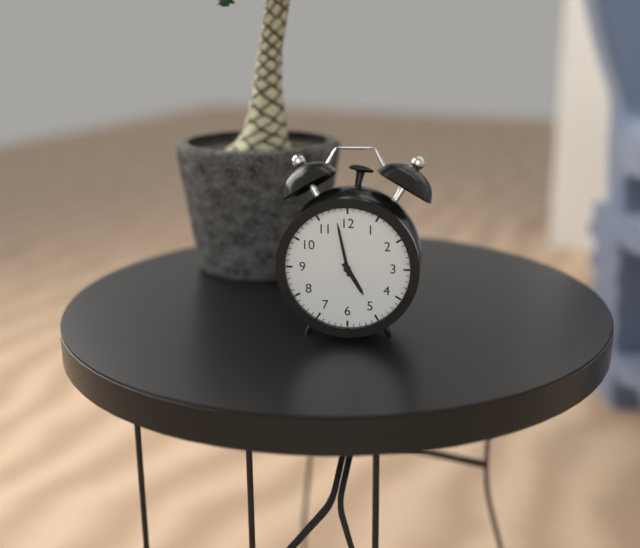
4:58
